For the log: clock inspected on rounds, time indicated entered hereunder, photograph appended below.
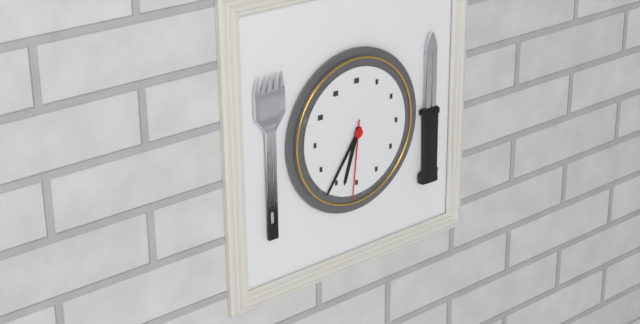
6:36:31
